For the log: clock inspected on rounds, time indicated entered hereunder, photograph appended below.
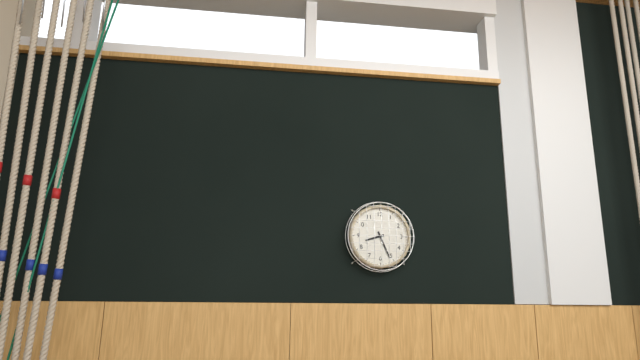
8:26
